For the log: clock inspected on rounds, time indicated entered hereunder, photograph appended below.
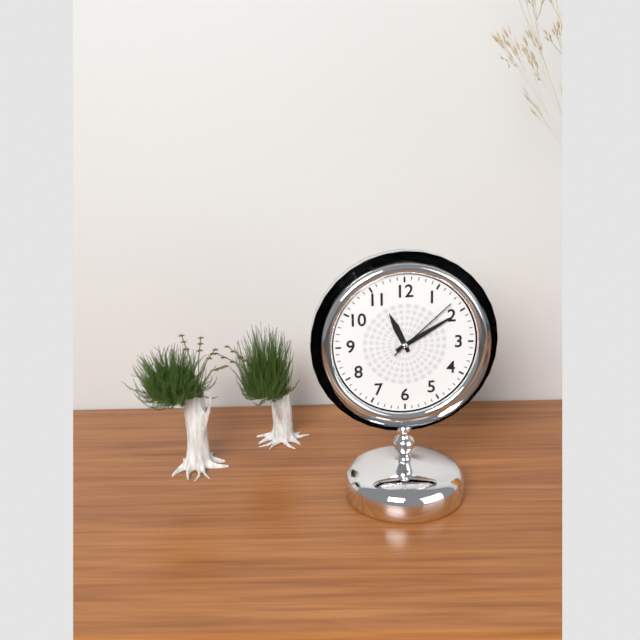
11:10:08
